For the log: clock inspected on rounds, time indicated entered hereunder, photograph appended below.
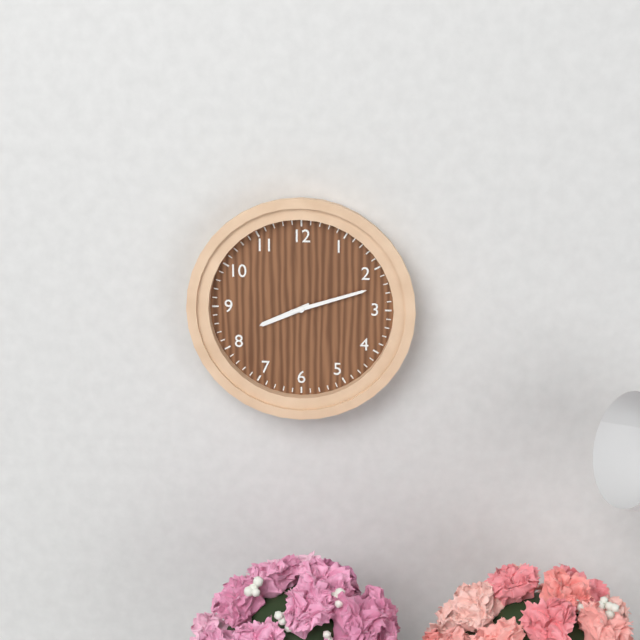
8:12
